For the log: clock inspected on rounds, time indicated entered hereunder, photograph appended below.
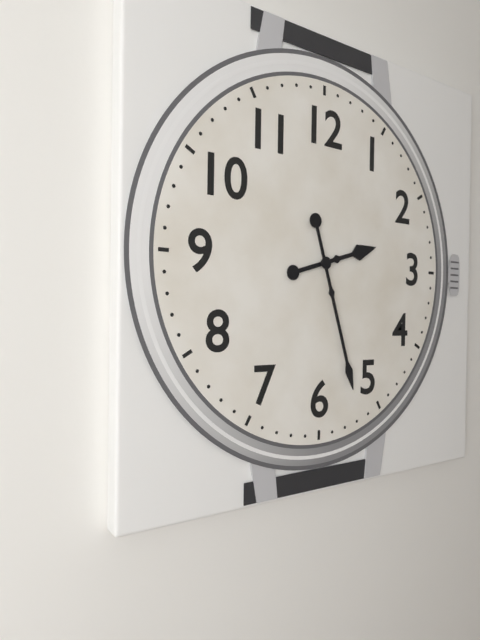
2:27
